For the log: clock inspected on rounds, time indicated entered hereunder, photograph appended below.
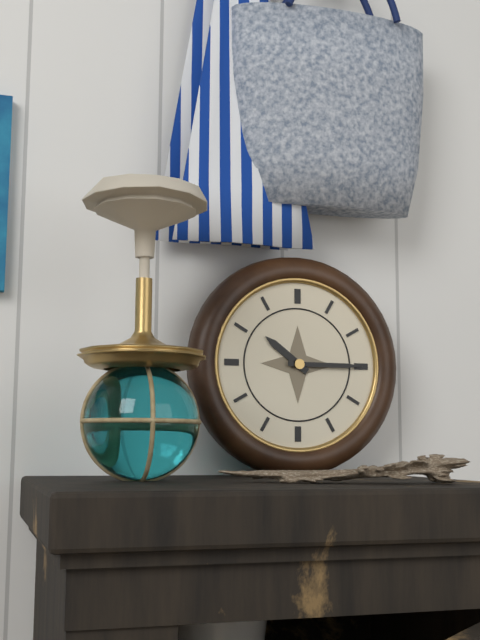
10:15
